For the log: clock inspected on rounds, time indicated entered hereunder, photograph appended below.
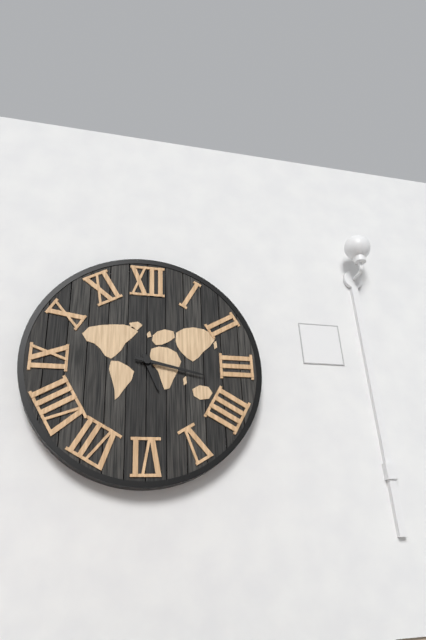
5:17
